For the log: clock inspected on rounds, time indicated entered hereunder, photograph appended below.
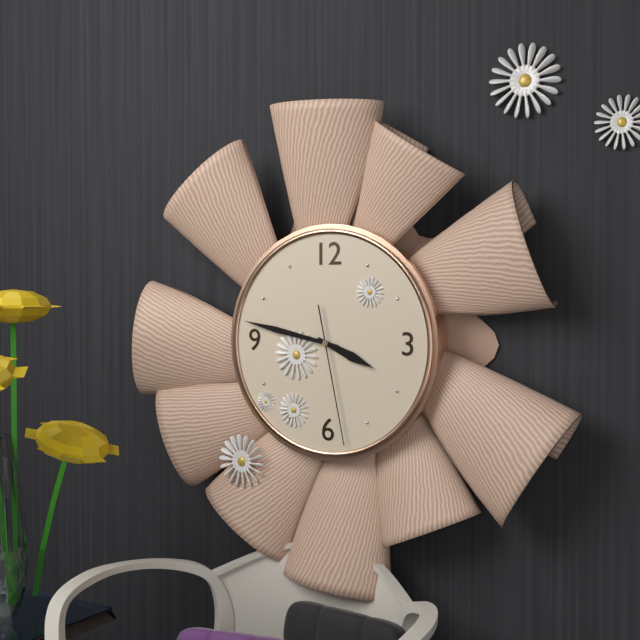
3:47:28
